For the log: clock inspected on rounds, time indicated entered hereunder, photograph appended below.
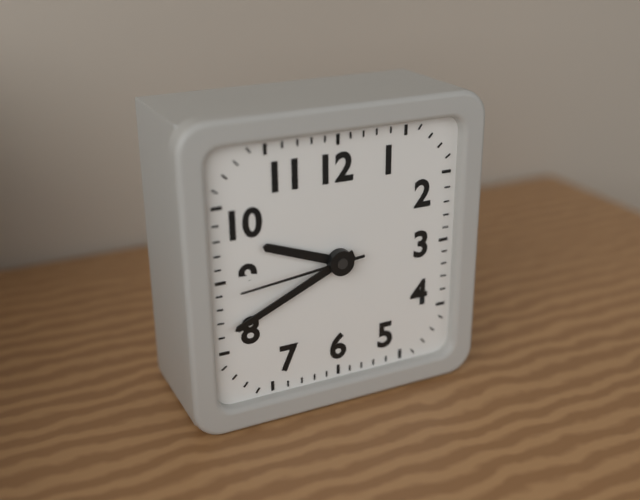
9:41:44
